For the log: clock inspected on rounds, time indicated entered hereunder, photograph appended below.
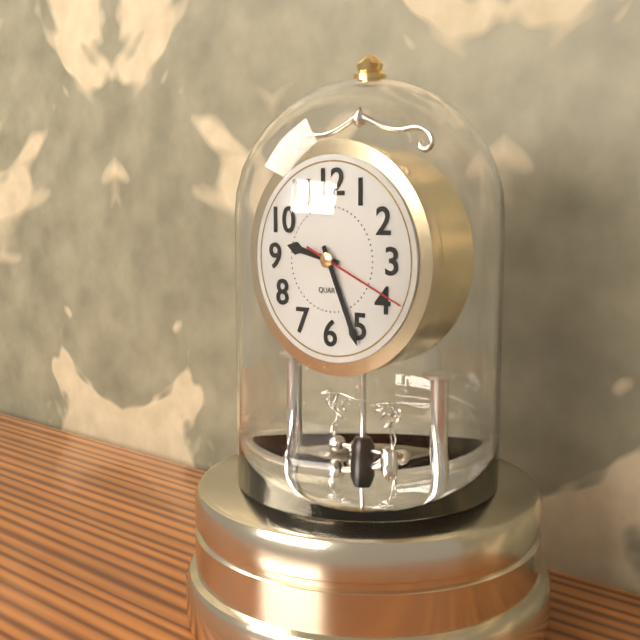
9:26:19
